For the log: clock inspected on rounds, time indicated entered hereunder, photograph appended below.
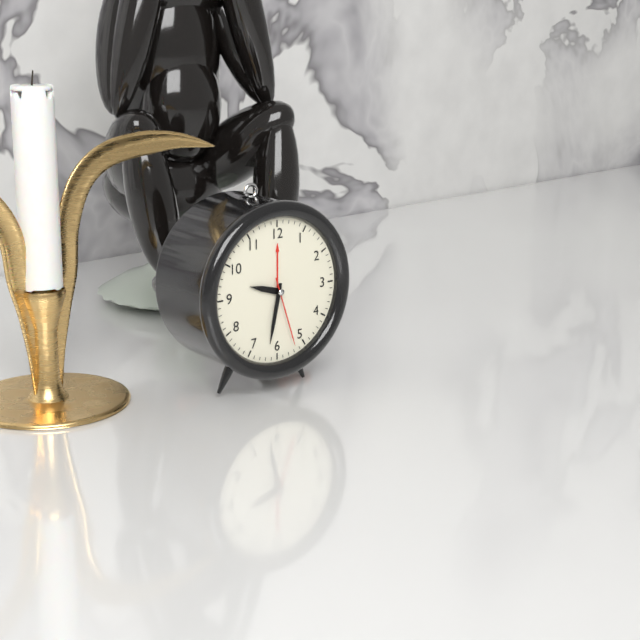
9:32:27
